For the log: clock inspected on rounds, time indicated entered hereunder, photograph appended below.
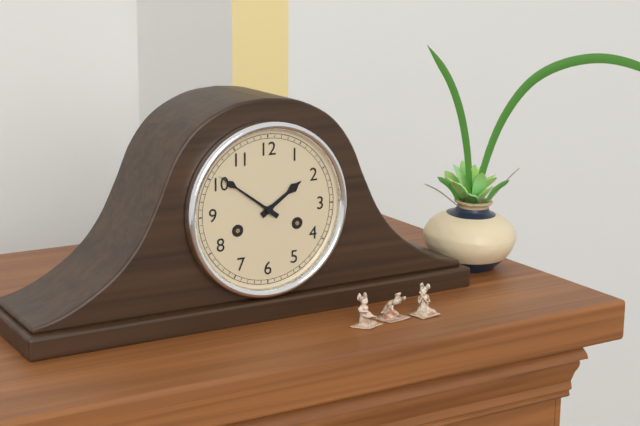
1:51
